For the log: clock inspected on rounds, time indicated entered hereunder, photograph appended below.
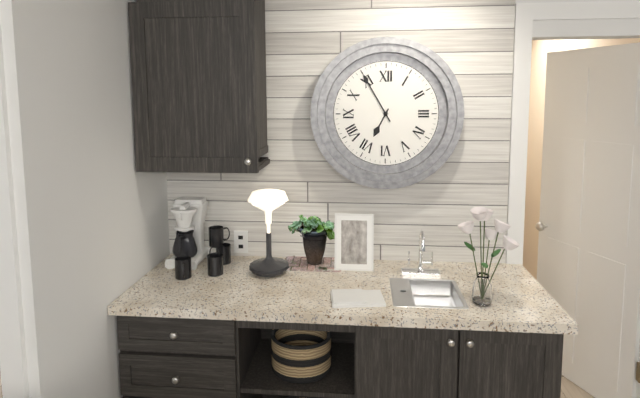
6:55
